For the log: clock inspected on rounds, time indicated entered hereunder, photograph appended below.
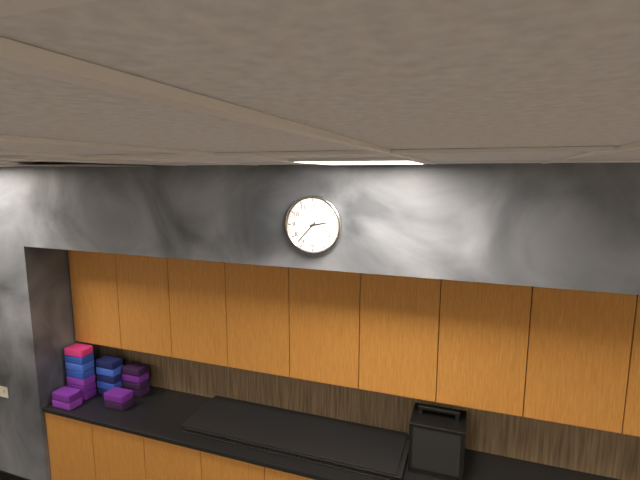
2:37
